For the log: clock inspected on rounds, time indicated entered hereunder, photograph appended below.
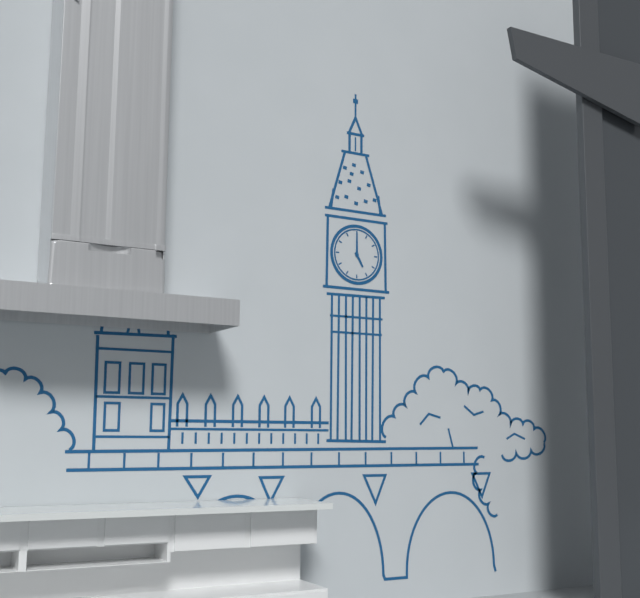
5:00
